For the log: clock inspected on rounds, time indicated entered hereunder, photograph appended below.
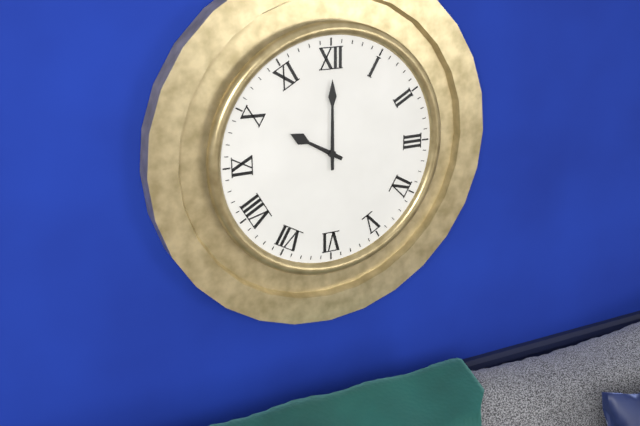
10:00
